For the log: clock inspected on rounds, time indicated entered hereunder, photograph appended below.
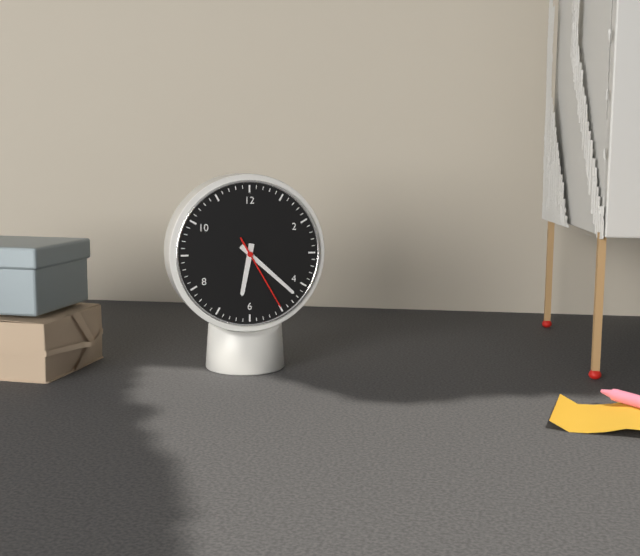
6:22:25
